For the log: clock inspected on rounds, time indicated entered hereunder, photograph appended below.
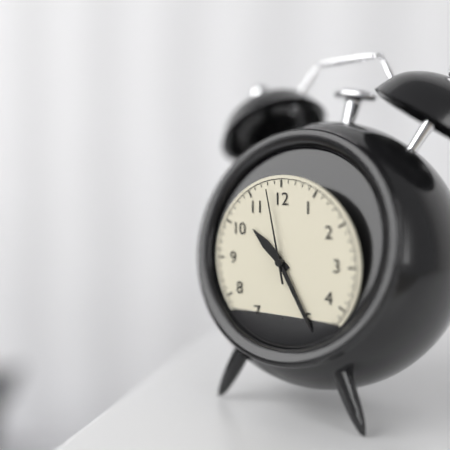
10:25:58
